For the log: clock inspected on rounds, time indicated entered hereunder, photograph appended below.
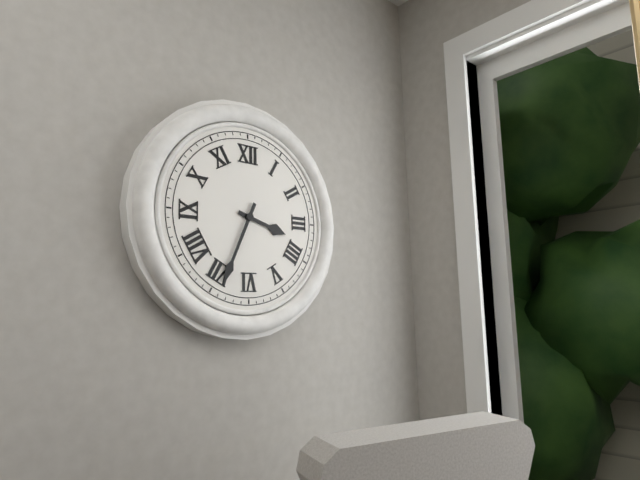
3:34
